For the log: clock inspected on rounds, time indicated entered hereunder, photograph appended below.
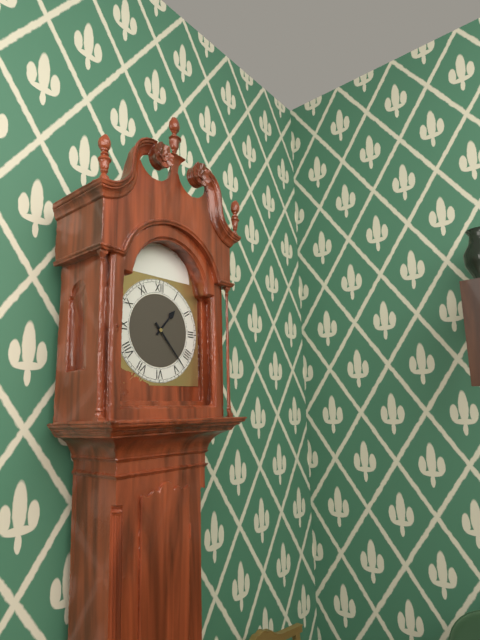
1:23
